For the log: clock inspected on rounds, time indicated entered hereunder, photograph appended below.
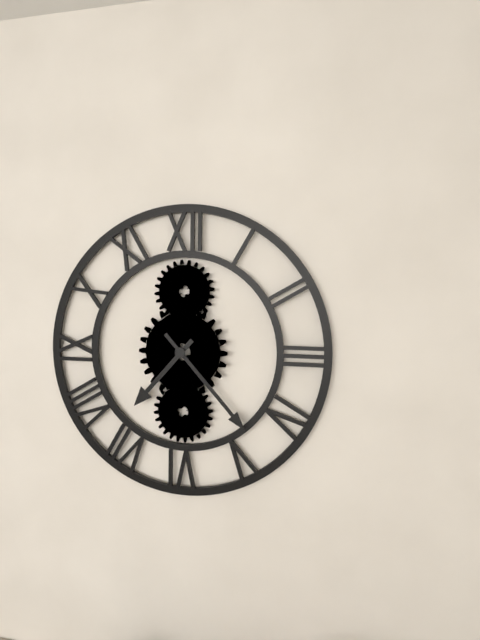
7:23
